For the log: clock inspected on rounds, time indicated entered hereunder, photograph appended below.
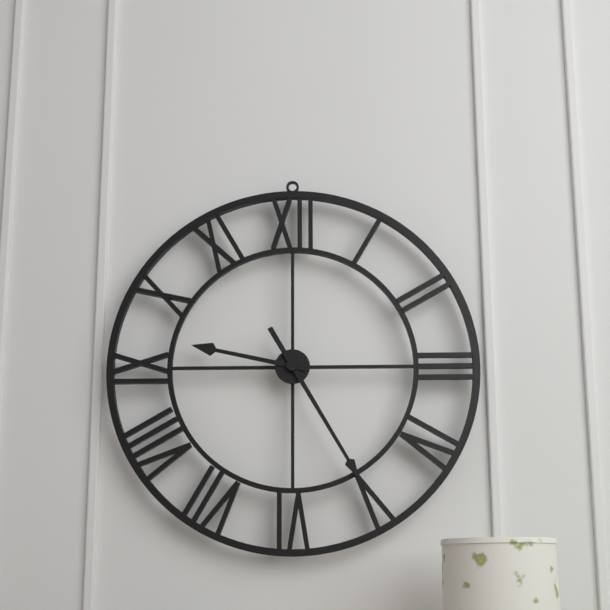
9:25
